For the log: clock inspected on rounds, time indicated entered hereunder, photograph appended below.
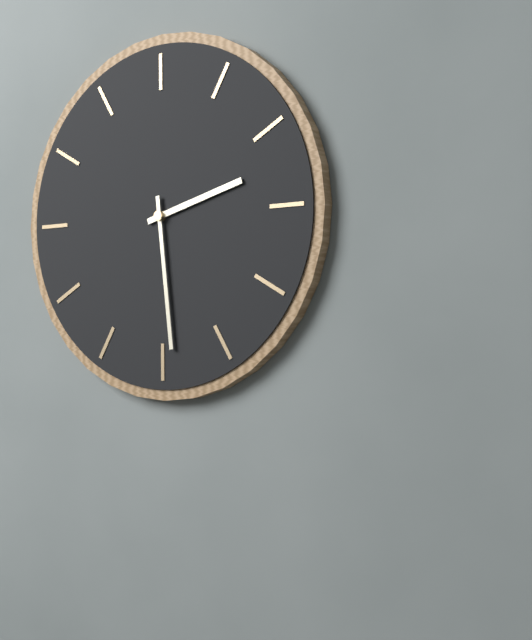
2:29
